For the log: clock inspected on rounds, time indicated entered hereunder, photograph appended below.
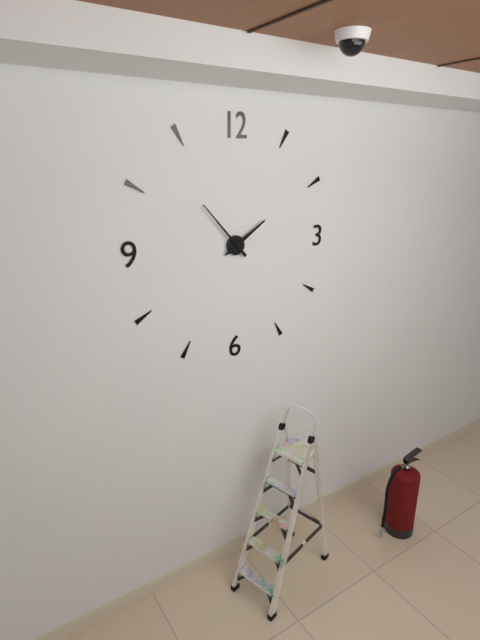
1:53
